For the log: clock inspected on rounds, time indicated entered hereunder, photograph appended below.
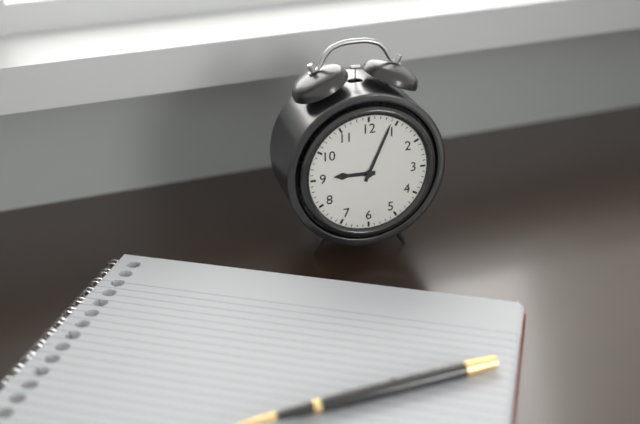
9:04
